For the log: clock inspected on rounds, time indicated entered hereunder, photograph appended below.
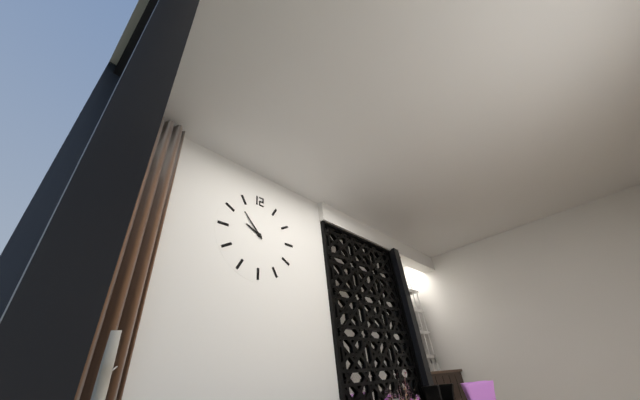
9:53
